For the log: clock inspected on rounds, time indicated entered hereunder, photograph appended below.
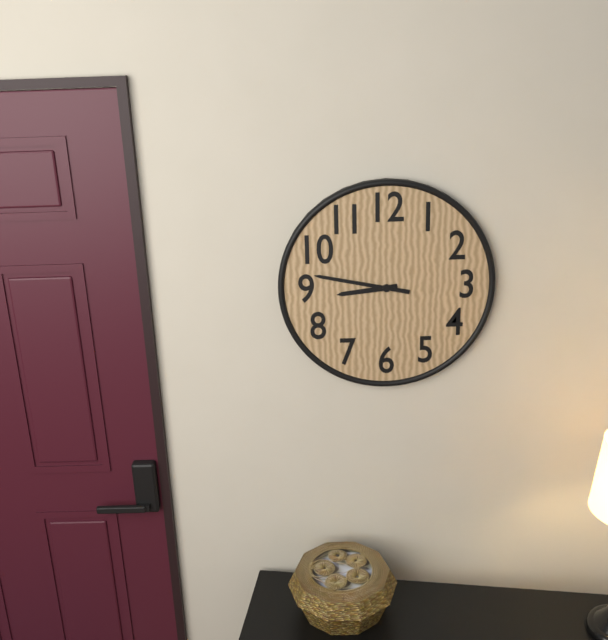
8:47
